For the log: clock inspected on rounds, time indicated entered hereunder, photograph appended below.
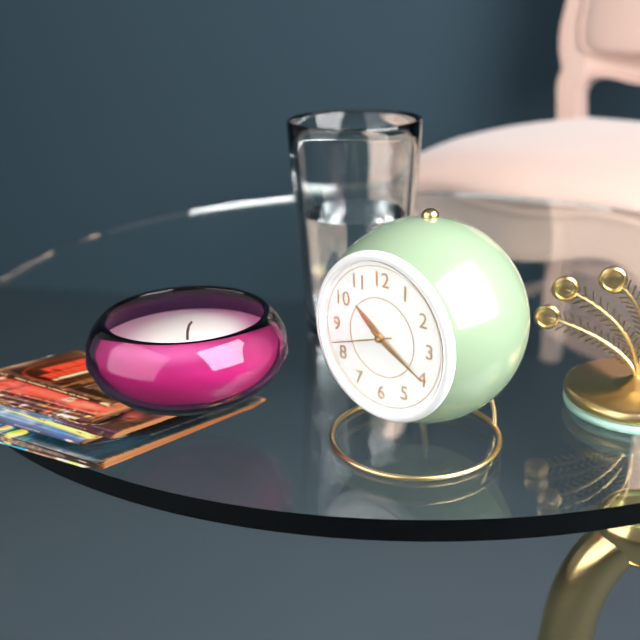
10:20:42
